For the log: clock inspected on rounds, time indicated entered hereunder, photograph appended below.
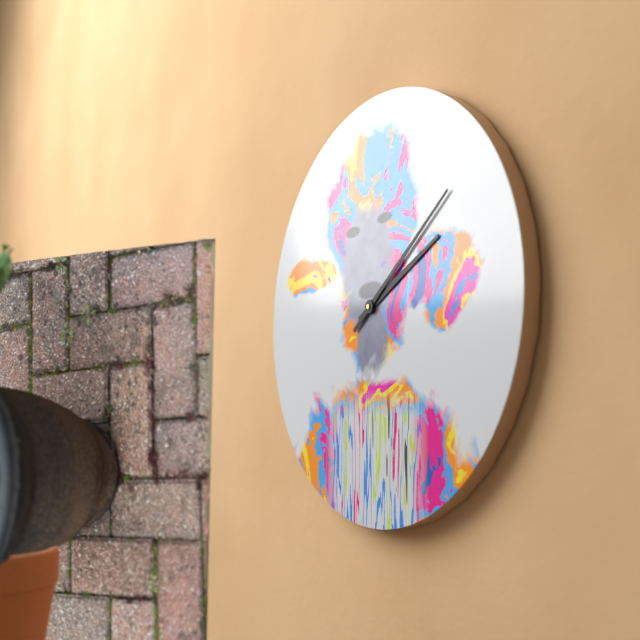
2:09
